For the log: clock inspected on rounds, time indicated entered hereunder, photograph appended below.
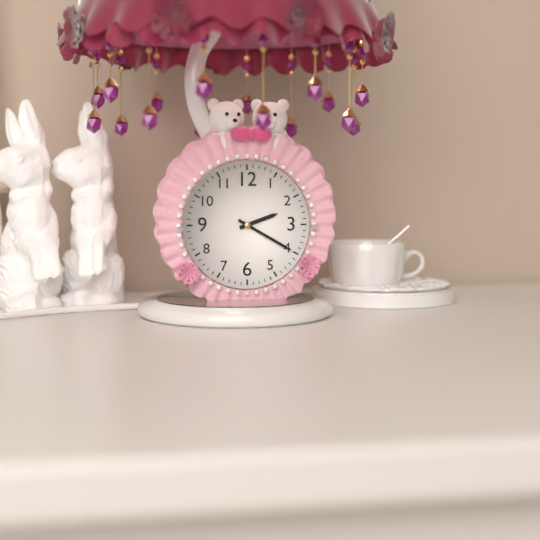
2:20
